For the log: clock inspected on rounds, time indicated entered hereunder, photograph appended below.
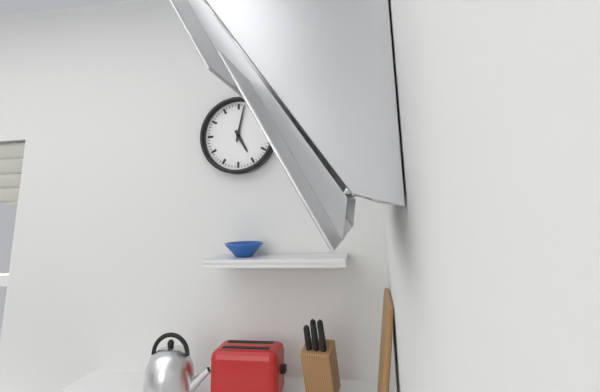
5:02
